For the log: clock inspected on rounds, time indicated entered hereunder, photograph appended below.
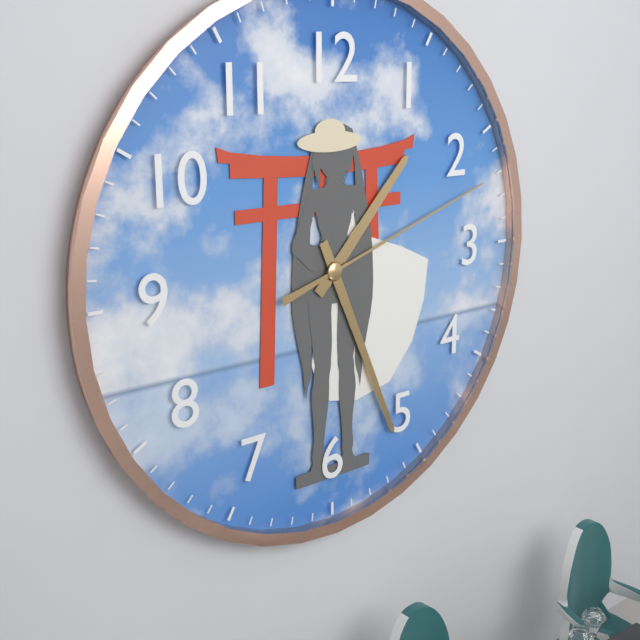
1:26:12
